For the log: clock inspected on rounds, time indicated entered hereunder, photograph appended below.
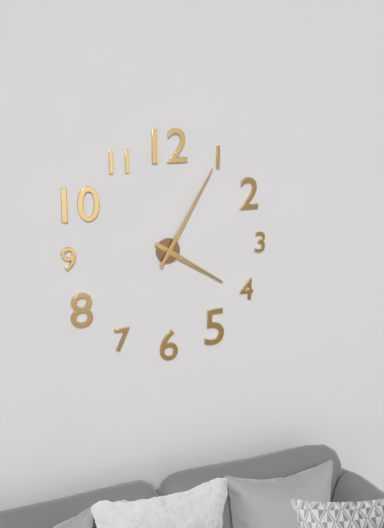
4:05
